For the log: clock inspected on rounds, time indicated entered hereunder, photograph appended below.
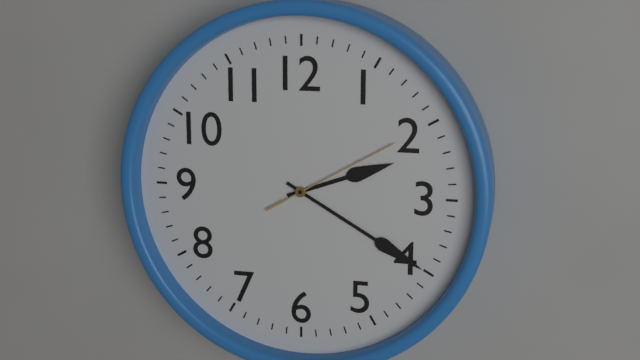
2:20:10
